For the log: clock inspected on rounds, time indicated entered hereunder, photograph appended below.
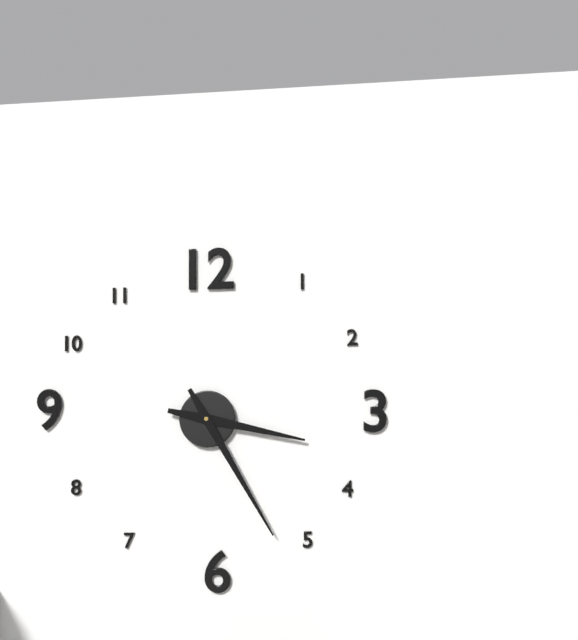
3:25
